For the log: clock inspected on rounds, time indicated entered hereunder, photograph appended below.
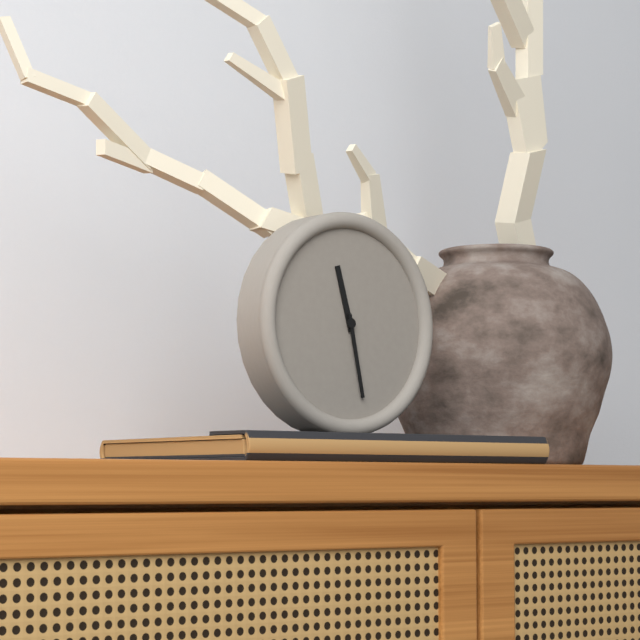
11:28
